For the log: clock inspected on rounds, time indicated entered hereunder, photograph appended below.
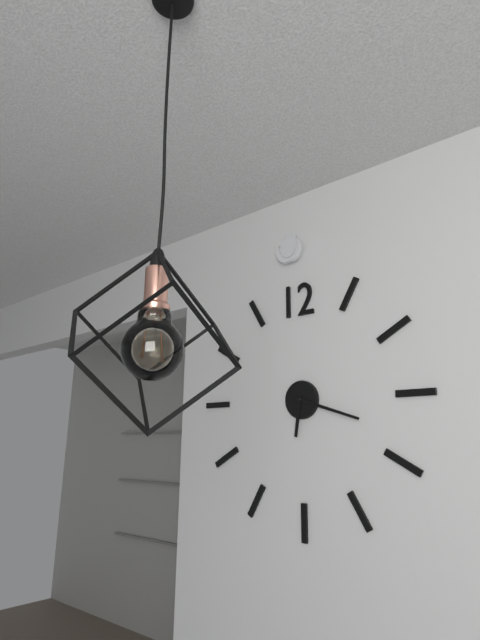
6:18
